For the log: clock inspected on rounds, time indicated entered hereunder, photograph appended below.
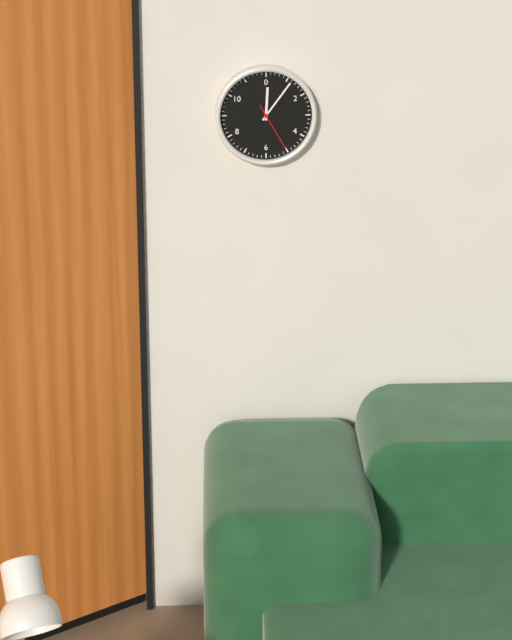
12:06
